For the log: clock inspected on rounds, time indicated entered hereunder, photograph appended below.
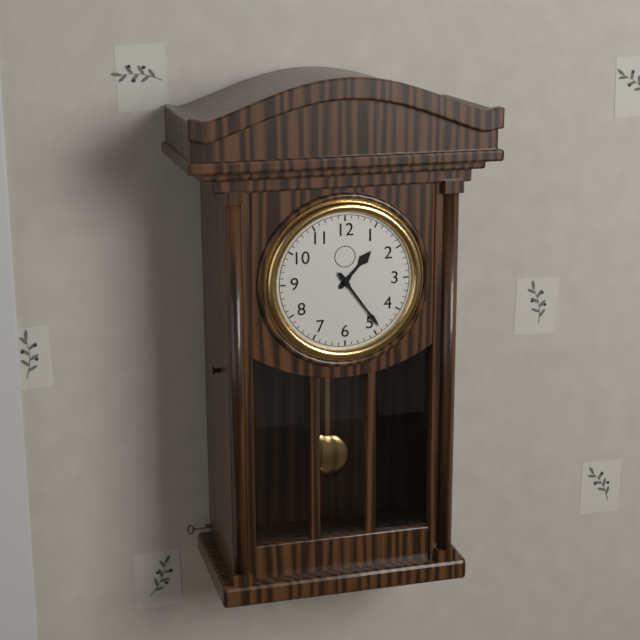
1:24
